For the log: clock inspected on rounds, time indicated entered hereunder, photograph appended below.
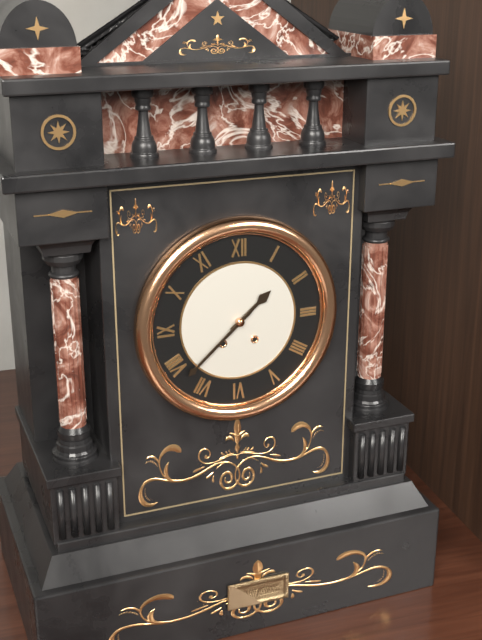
1:38
